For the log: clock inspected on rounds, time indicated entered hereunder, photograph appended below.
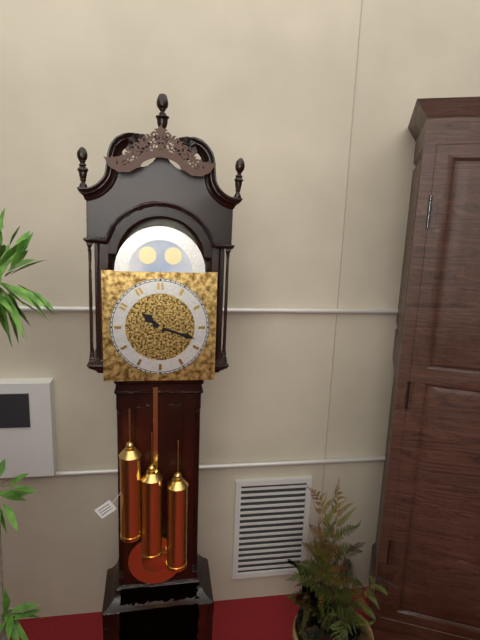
10:18
